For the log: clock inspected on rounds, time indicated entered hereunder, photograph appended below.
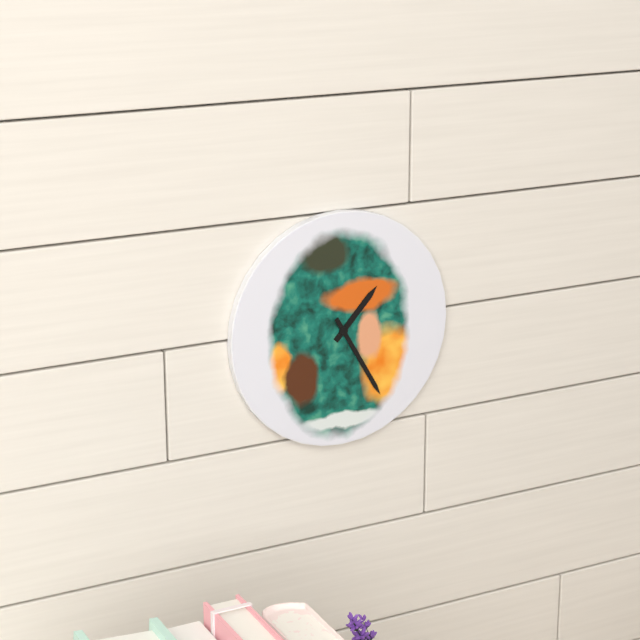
1:25
